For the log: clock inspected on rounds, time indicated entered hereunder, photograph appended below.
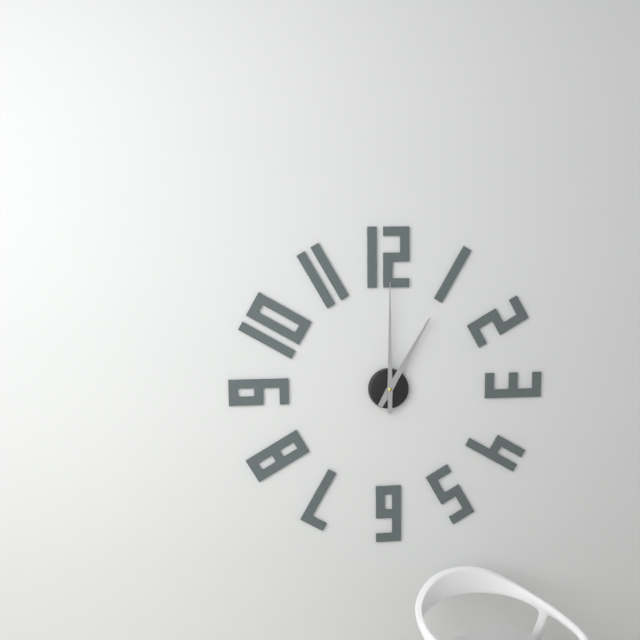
1:00
